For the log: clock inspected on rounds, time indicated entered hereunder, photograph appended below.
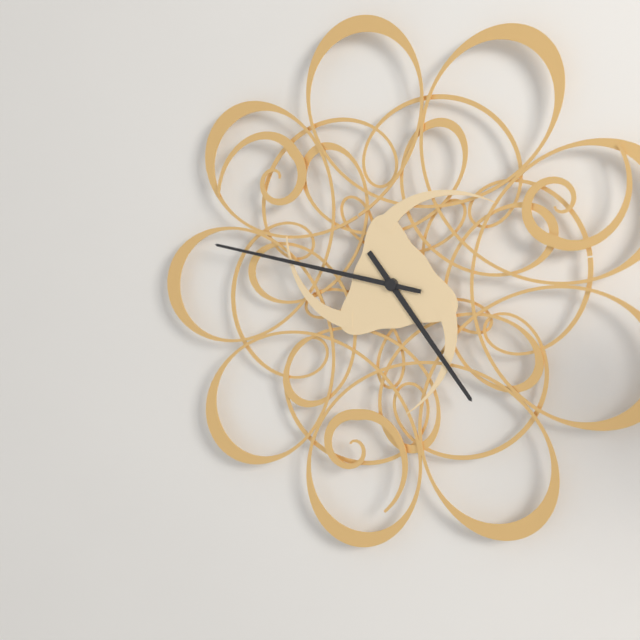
4:47
